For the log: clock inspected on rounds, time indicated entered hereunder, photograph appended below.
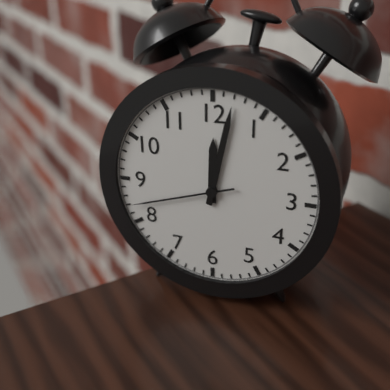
12:02:42
